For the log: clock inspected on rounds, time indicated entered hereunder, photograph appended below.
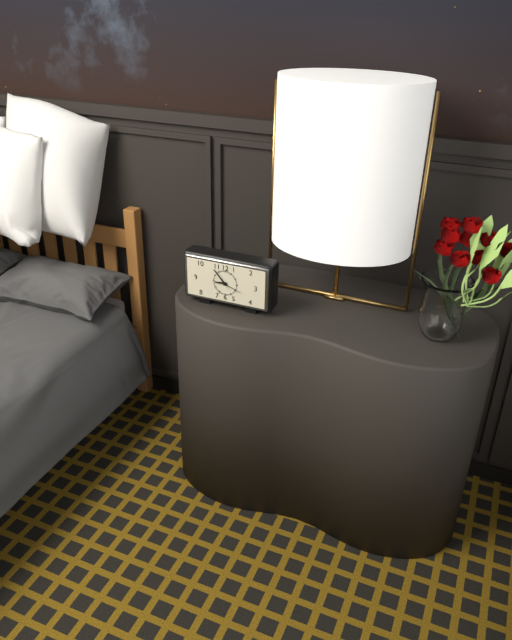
8:53
